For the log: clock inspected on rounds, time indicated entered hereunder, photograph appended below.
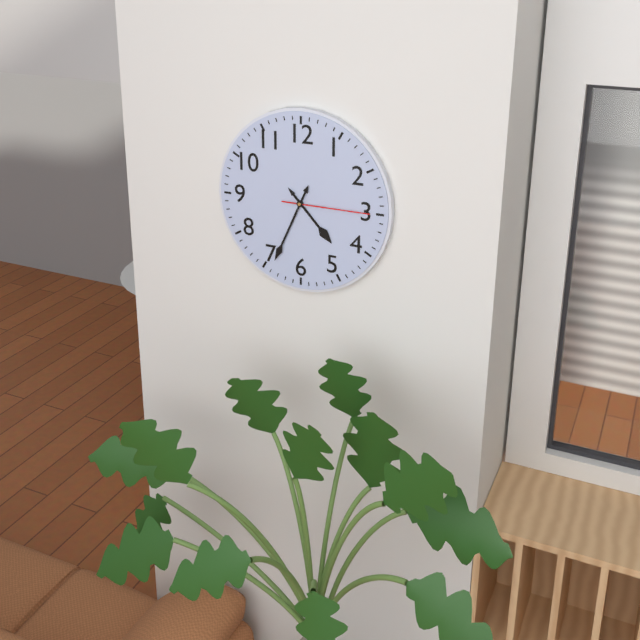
4:34:15
